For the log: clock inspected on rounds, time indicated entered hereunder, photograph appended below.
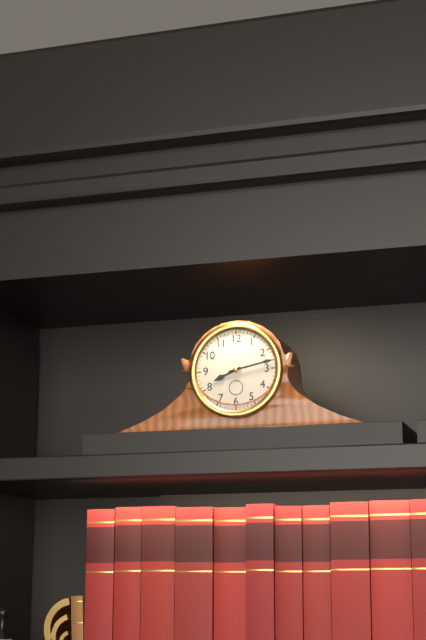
8:13
